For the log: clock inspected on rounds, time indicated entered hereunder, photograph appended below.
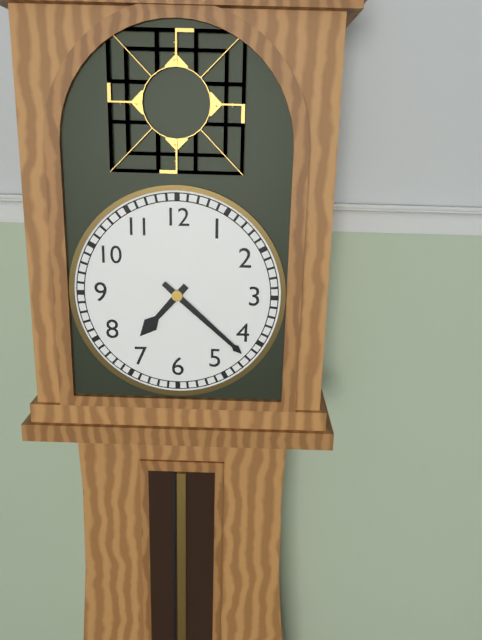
7:22
